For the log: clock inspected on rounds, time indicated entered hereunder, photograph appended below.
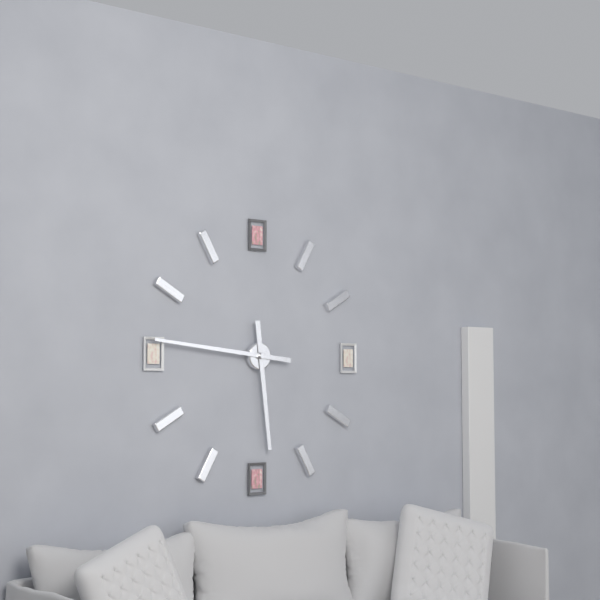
5:46
